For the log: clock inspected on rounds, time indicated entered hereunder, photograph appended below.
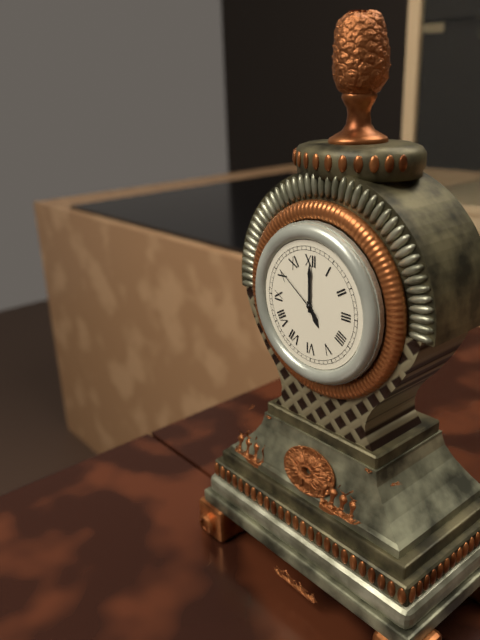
5:00:51
